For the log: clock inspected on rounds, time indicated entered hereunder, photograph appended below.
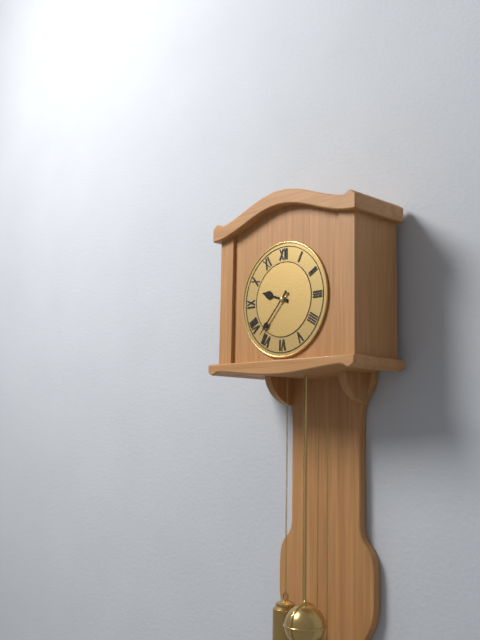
9:37
